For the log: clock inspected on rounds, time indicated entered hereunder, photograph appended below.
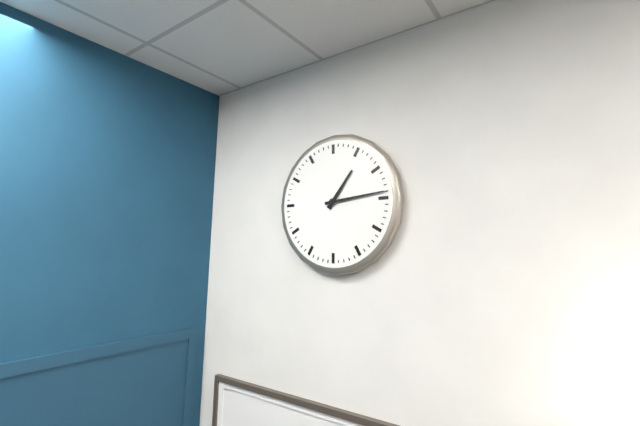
1:14
